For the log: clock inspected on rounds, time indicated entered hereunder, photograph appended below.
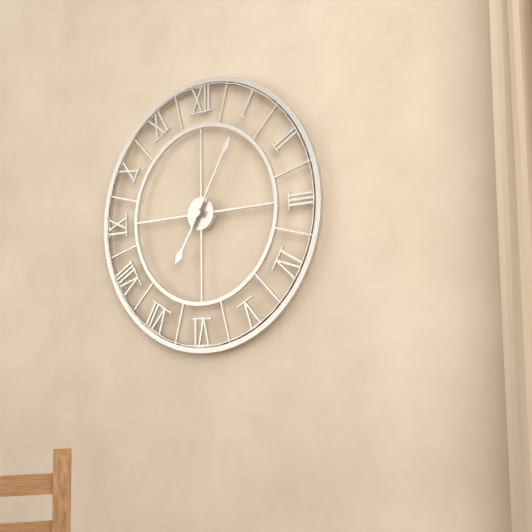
7:05
